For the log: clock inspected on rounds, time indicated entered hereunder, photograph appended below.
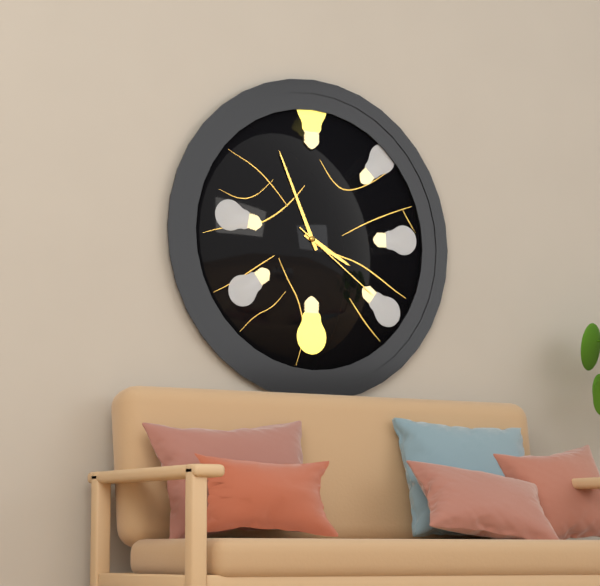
3:56:21
